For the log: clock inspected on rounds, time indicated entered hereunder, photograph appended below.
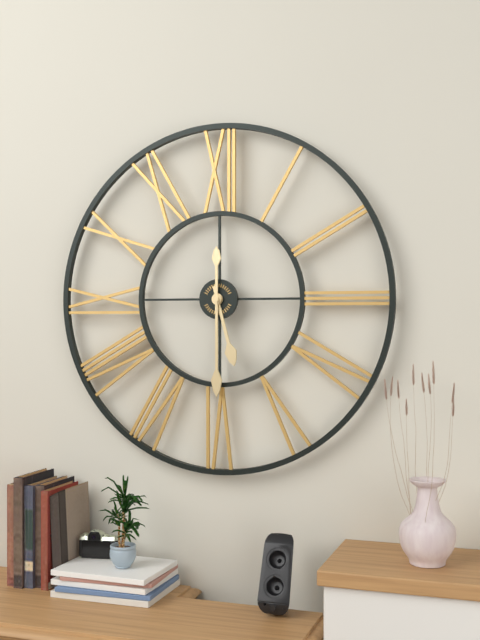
5:30
